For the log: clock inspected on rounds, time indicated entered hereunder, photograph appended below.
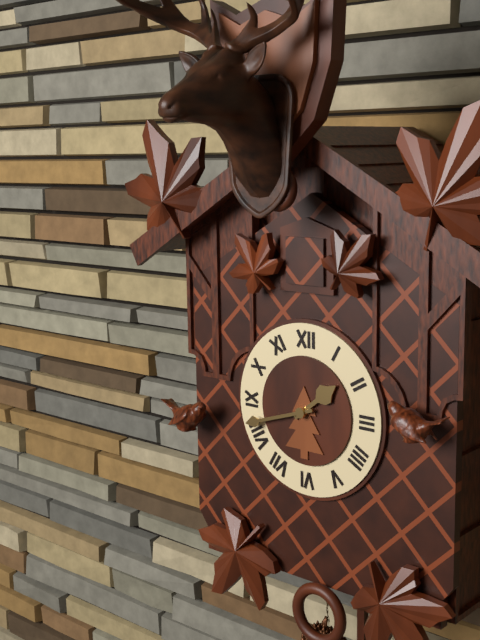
1:42
